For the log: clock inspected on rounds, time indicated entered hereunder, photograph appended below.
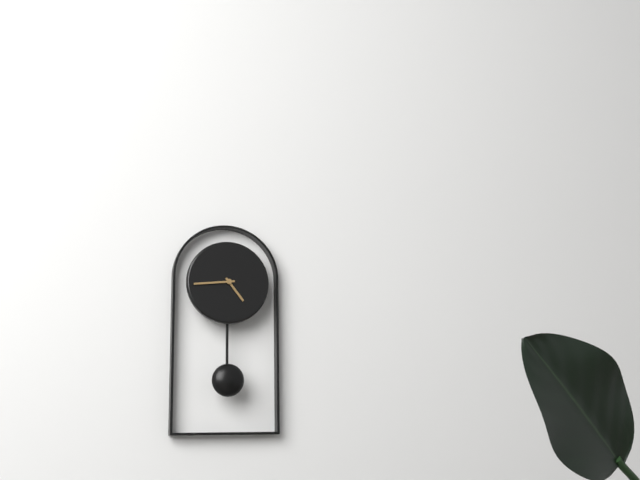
4:44
